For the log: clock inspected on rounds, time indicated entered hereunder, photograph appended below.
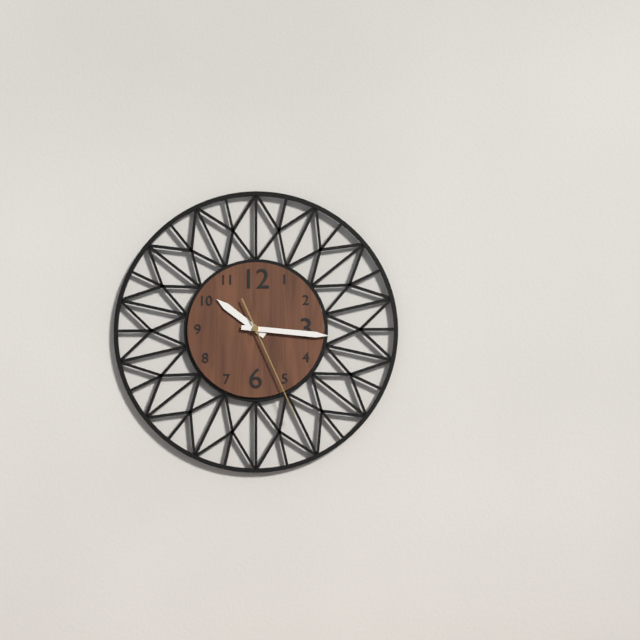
10:16:26
